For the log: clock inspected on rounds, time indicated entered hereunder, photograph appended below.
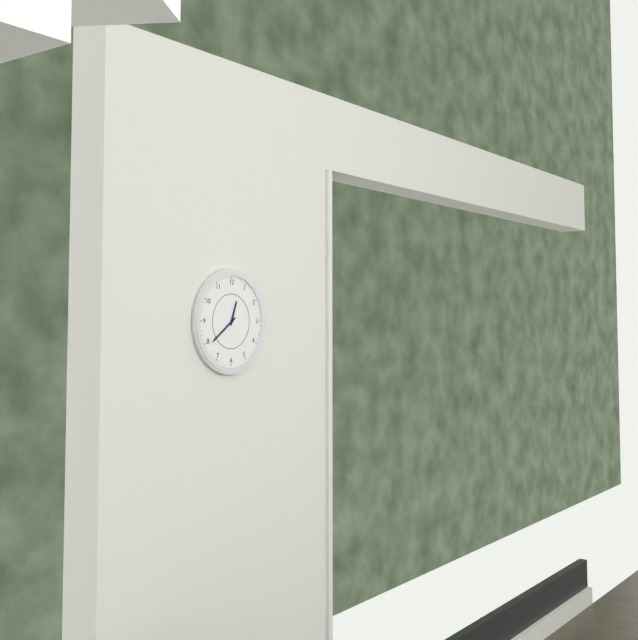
12:39
